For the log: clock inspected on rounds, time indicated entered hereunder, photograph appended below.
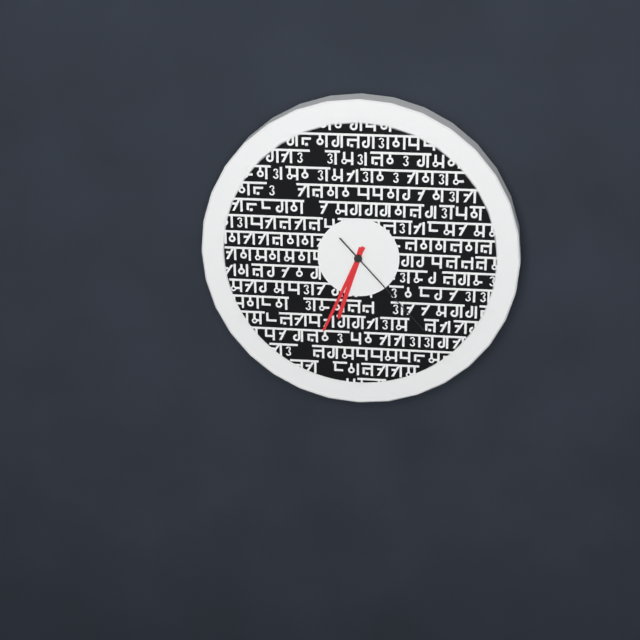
6:34:23
